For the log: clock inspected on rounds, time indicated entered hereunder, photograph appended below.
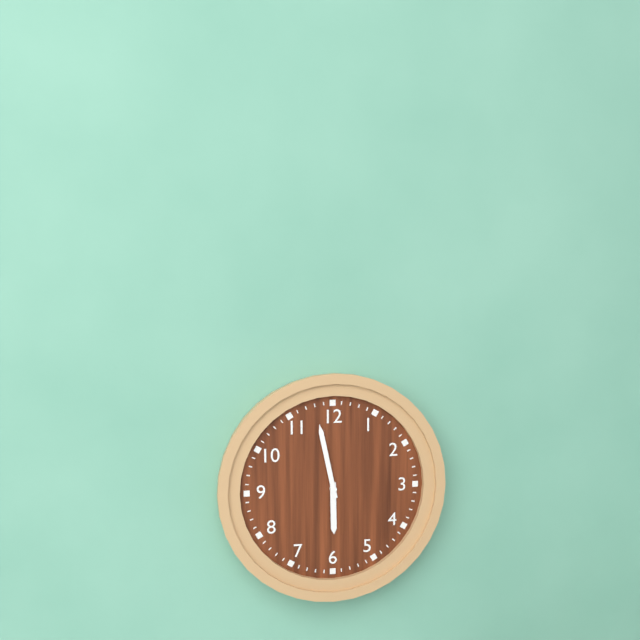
5:58
